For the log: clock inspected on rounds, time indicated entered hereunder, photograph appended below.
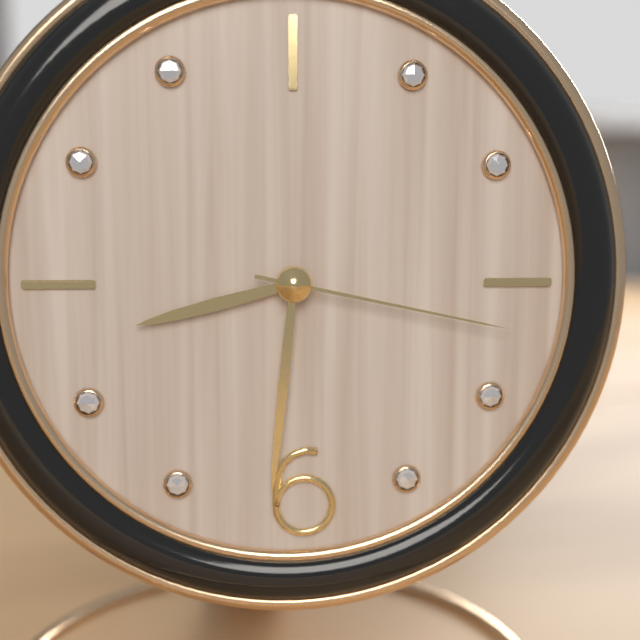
8:31:17
